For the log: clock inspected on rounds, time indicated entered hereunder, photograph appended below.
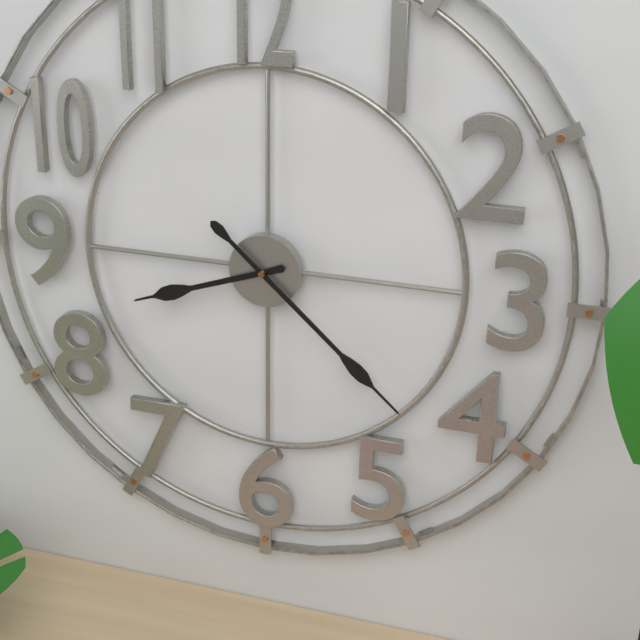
8:22
